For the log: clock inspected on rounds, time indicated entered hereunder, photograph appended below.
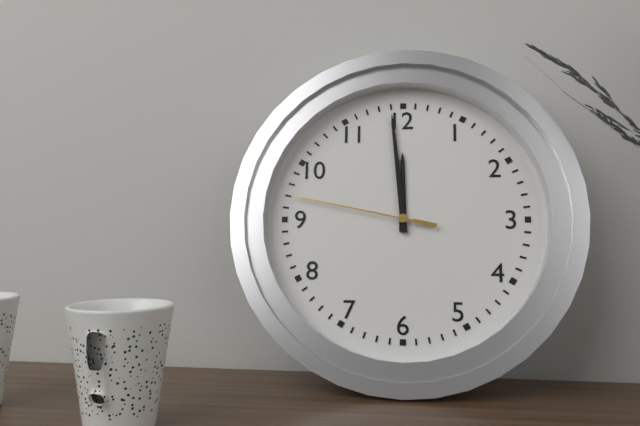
11:59:47
